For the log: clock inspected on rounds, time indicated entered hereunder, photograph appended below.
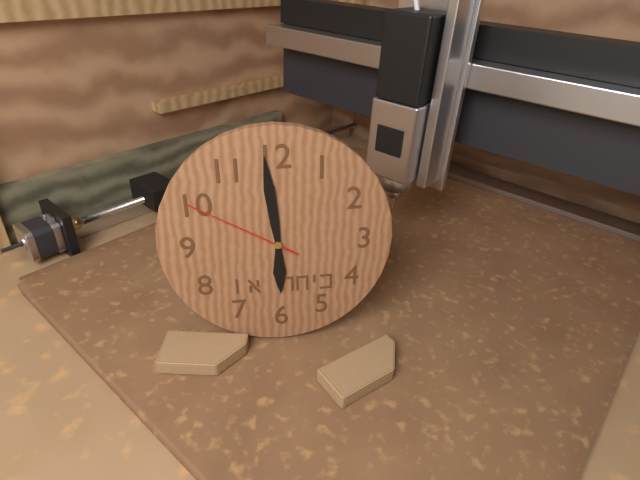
5:59:50
